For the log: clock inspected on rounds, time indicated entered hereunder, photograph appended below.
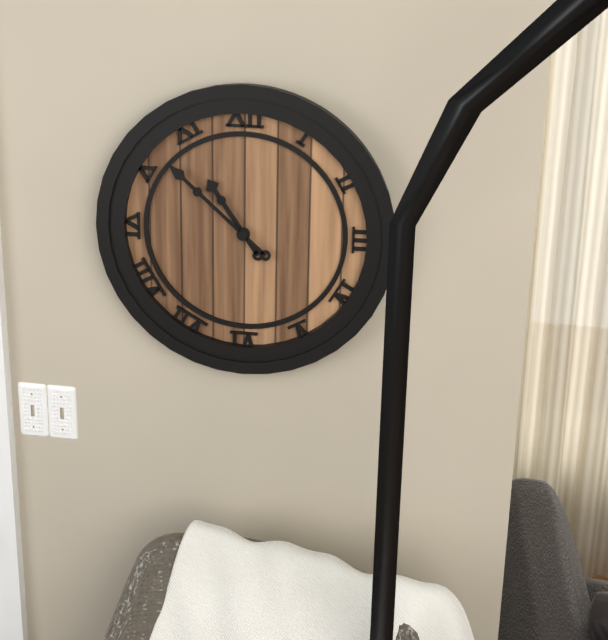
10:52
